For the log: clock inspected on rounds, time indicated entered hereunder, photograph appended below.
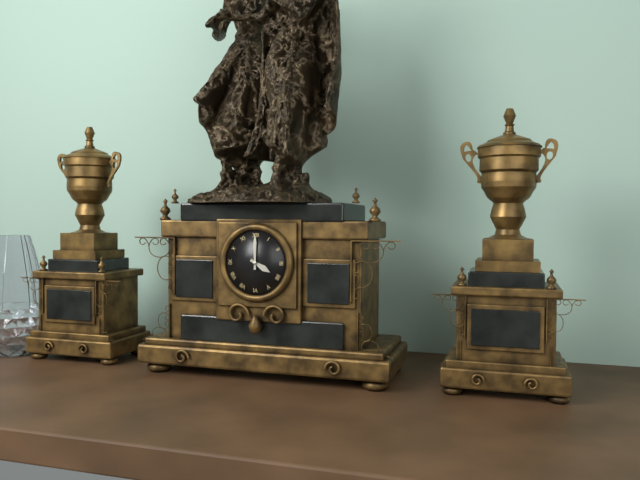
4:00
